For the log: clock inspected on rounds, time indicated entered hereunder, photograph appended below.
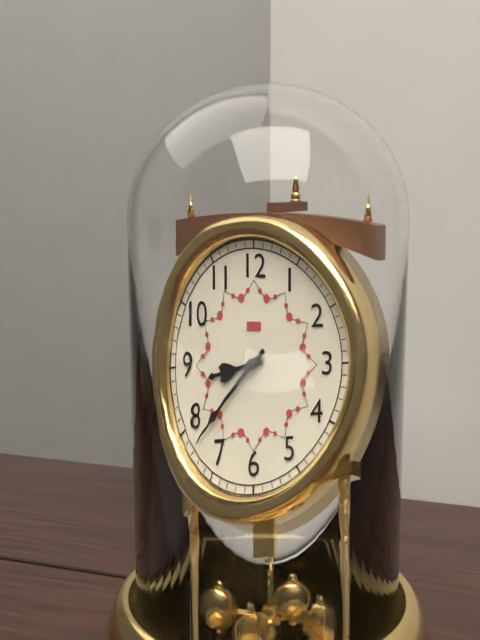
8:38
